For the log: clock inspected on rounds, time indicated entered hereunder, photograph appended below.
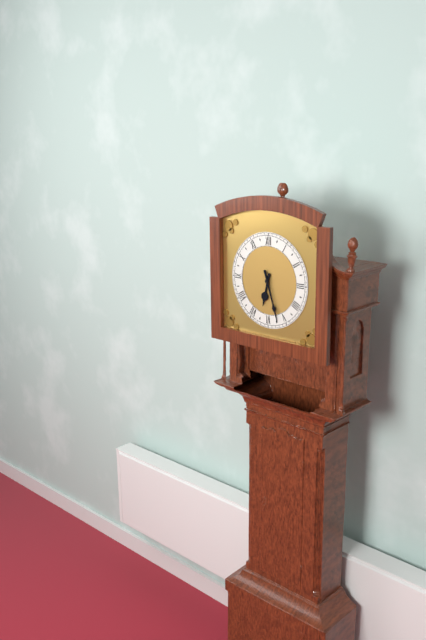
6:27
